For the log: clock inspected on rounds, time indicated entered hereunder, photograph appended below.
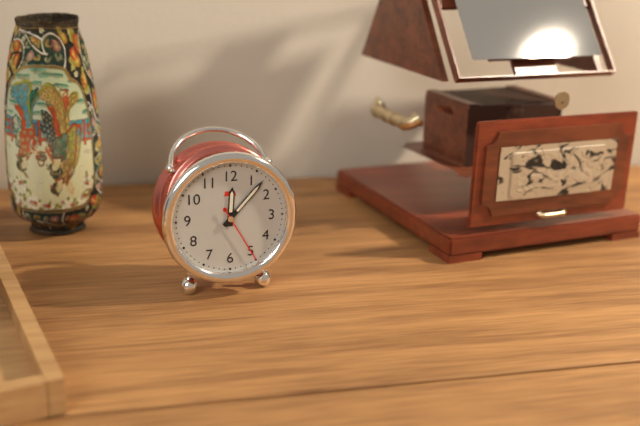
12:07:25
